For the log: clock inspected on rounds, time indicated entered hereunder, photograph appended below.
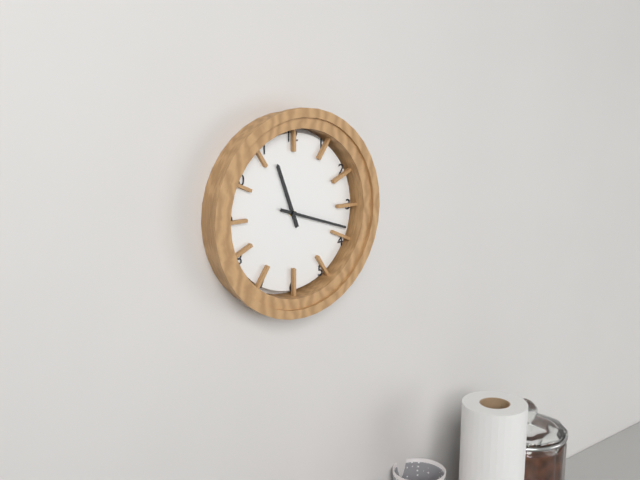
11:18
